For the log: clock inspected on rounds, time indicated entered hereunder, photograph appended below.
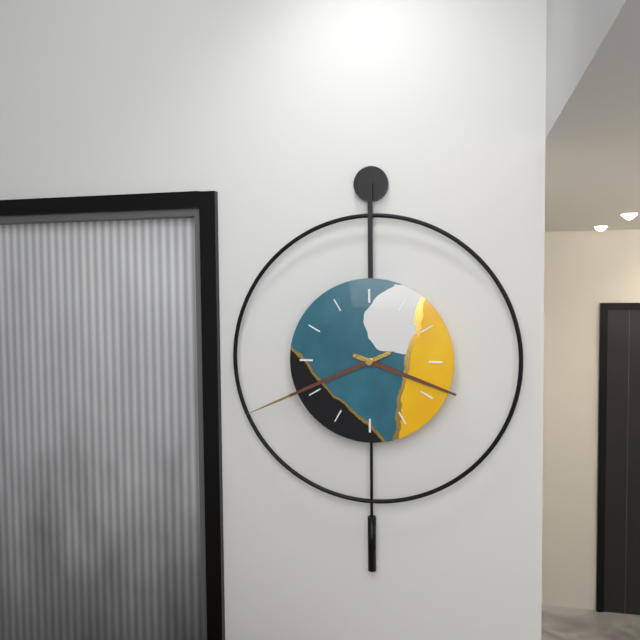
3:41
